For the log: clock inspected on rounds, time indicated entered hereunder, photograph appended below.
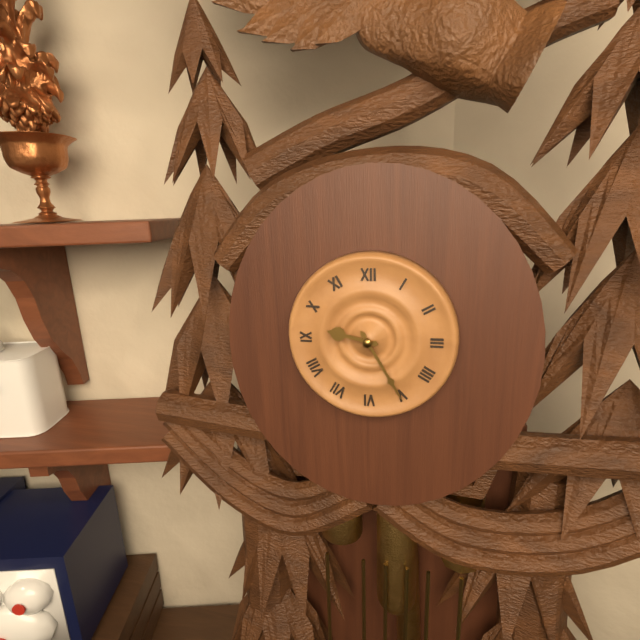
9:25
